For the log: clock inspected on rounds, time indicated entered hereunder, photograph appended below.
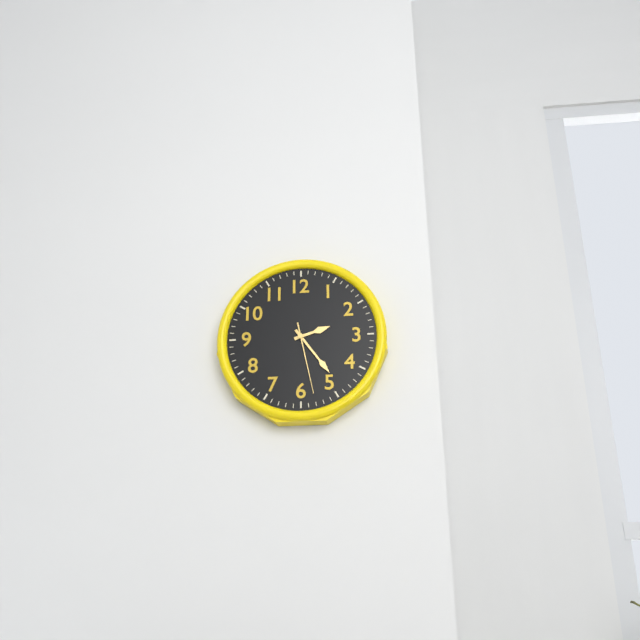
2:24:28
